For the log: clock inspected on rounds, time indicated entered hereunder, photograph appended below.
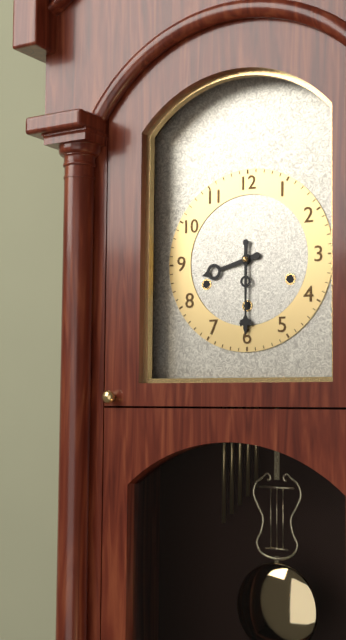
8:30
